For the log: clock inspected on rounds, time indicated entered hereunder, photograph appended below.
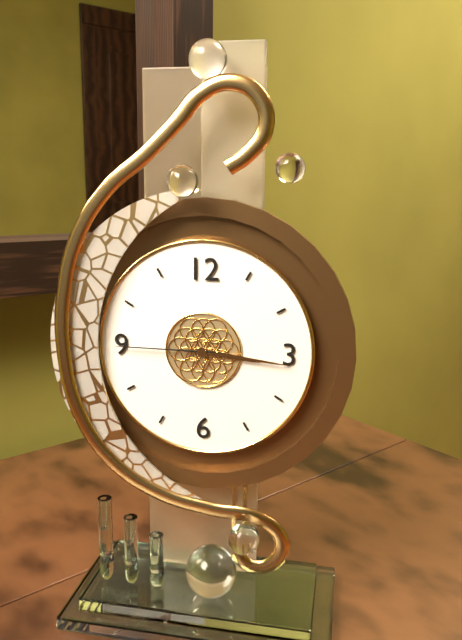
3:16:45
